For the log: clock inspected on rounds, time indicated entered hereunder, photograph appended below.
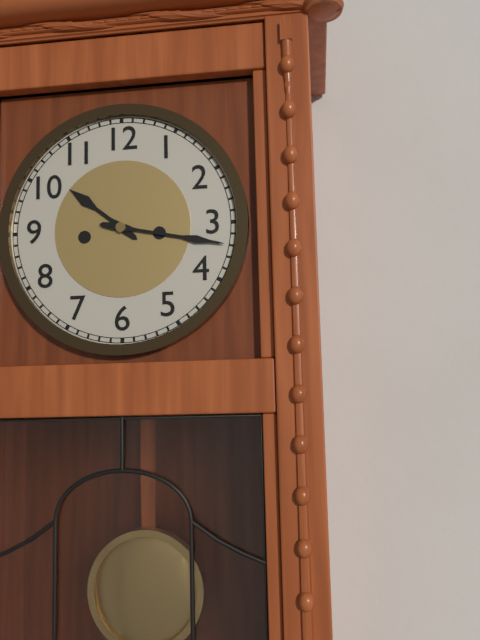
10:17
